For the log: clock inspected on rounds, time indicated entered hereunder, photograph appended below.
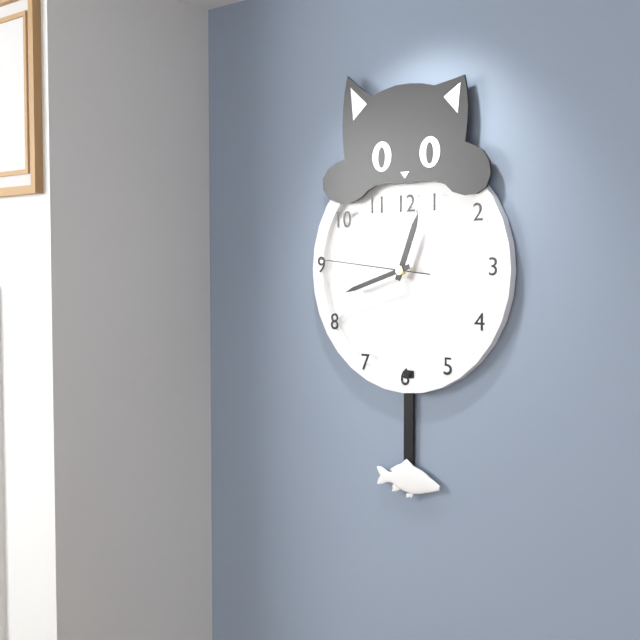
12:42:46
